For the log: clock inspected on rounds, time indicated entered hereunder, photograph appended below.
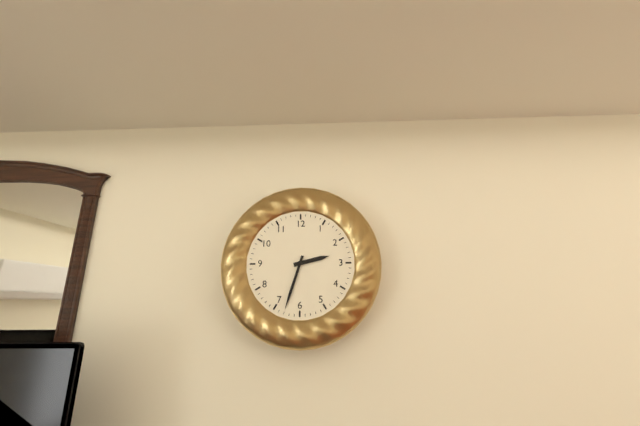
2:33
